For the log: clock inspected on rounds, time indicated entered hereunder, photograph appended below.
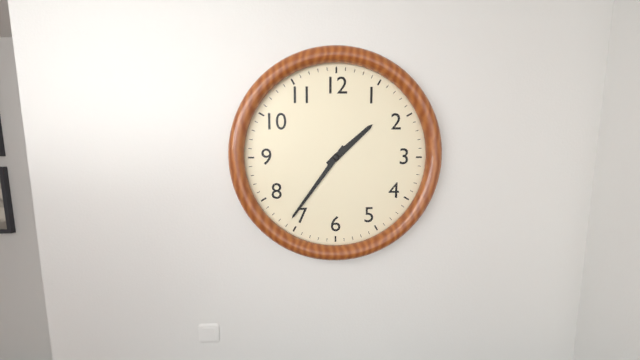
1:36
